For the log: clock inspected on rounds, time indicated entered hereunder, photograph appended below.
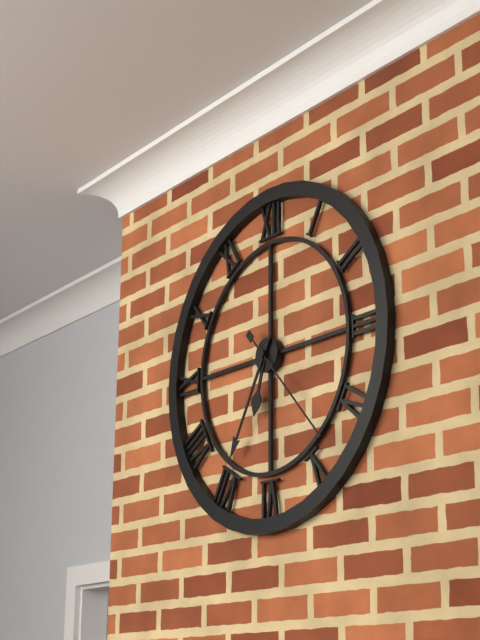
6:35:23
